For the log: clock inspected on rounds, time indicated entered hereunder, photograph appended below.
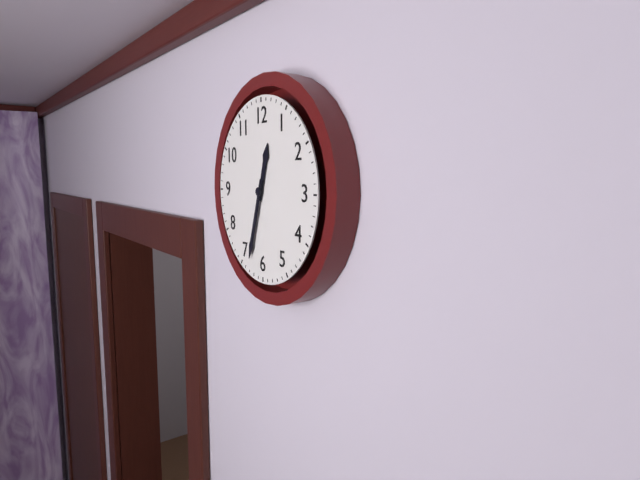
12:33
